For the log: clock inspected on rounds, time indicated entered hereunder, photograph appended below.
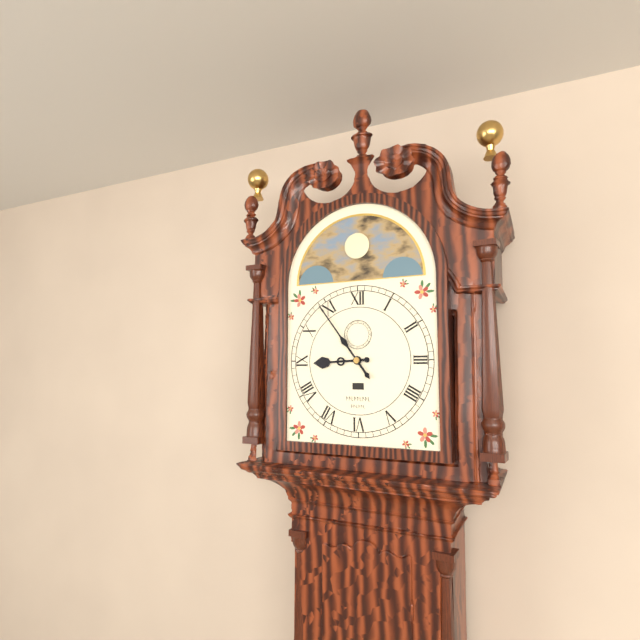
8:54
